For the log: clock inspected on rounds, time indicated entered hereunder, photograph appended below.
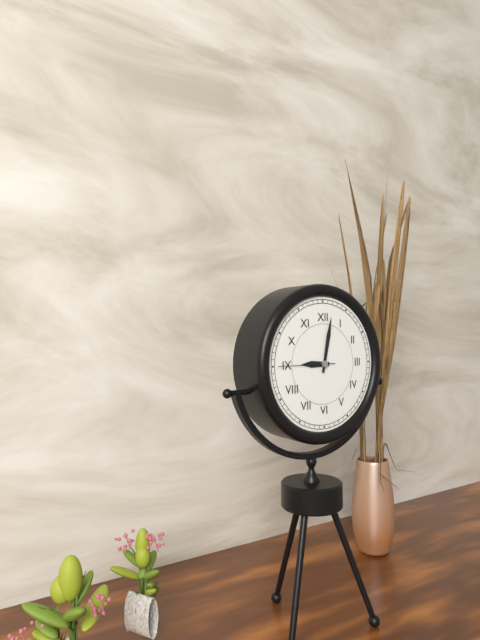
9:02:45
